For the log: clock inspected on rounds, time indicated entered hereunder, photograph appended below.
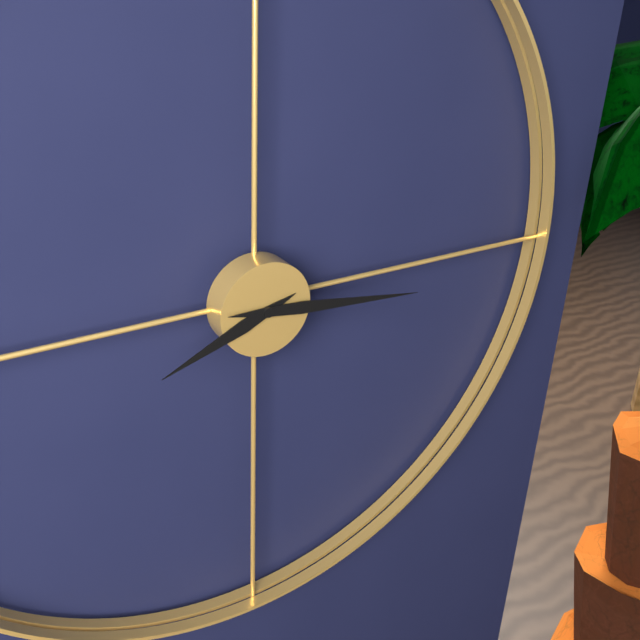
8:16
